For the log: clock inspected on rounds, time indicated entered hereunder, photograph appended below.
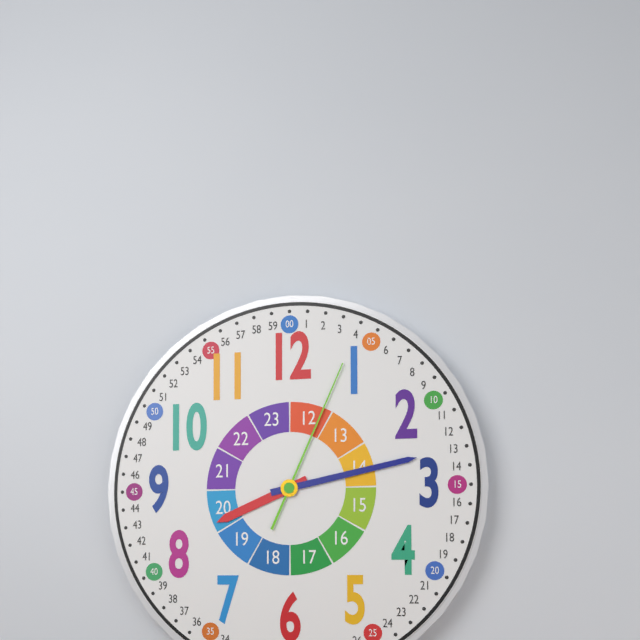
8:13:04
